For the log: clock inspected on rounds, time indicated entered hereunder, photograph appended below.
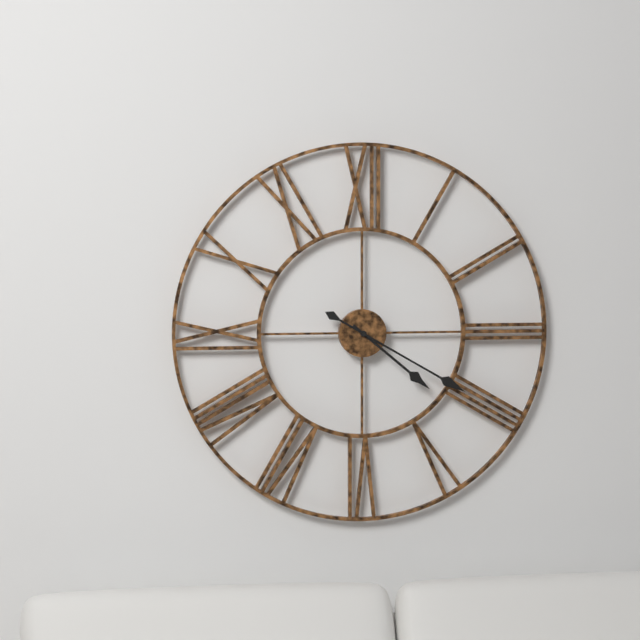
4:20
